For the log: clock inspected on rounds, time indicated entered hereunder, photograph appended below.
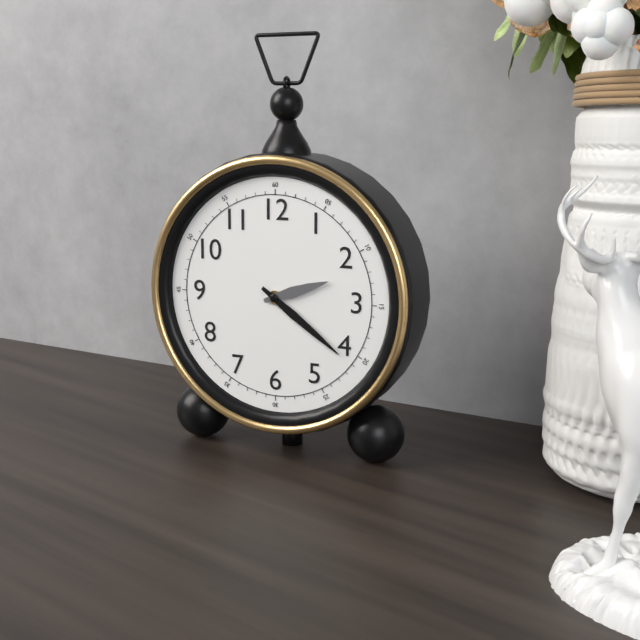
2:21
